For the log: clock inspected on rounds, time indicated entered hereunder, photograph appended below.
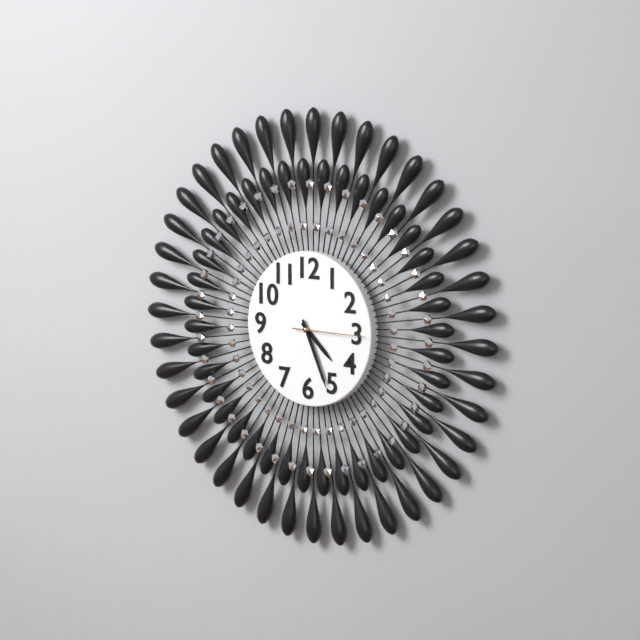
4:26:15
